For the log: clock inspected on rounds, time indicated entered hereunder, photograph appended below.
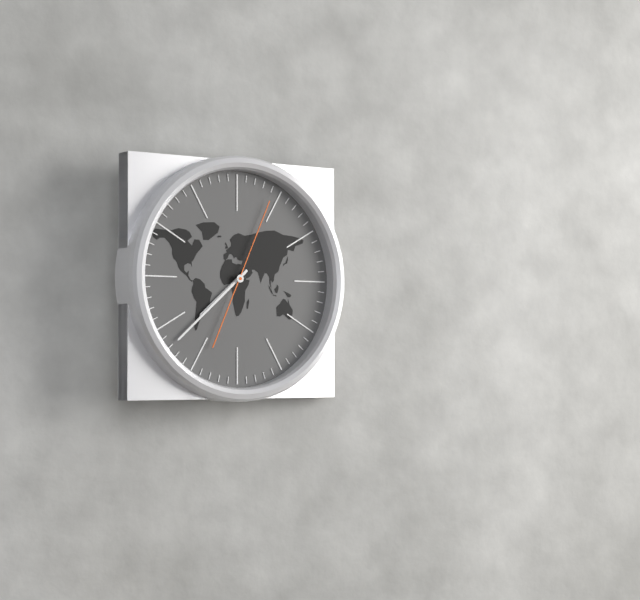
7:38:04
